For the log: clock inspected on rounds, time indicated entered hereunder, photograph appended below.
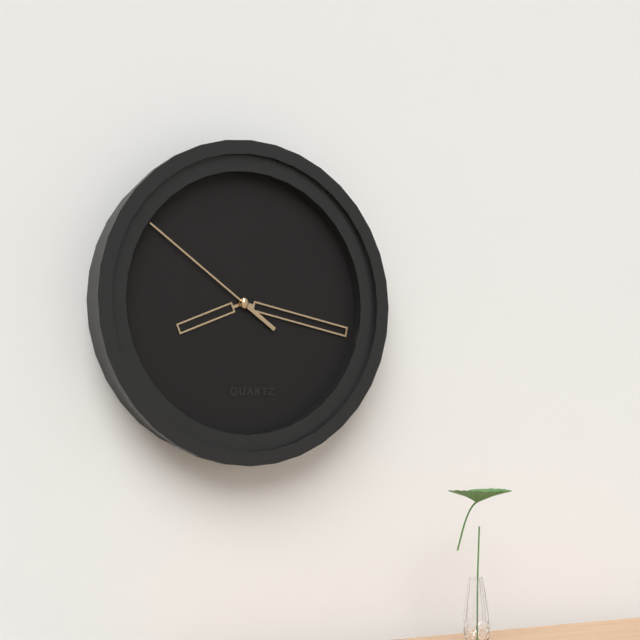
8:17:51
